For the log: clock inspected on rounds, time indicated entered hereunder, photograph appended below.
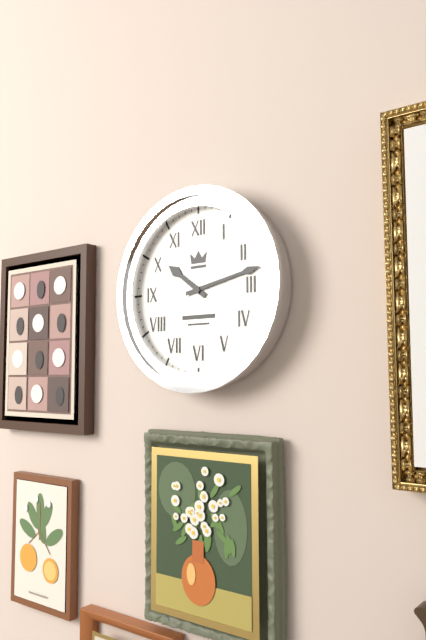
10:13
